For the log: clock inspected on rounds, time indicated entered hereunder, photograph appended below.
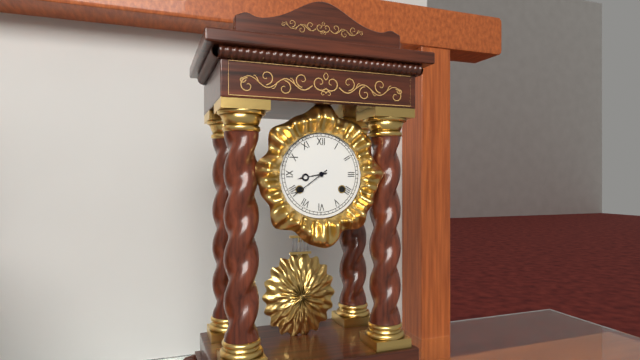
8:39
